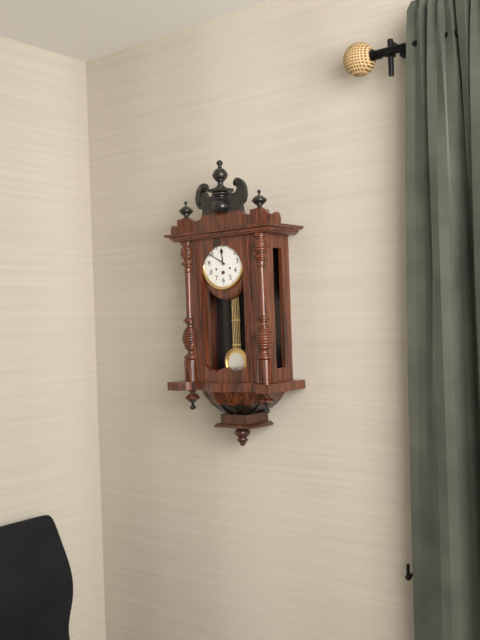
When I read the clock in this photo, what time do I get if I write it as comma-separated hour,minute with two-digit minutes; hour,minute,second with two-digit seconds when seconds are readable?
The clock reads 11,50
